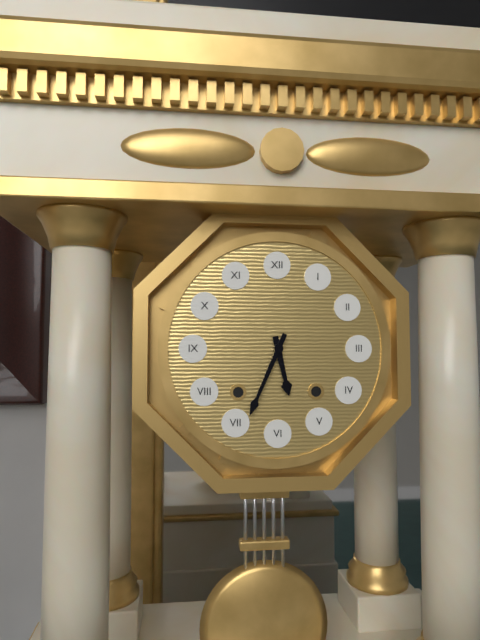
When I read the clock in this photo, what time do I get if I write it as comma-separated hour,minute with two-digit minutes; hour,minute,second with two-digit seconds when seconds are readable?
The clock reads 5,34
